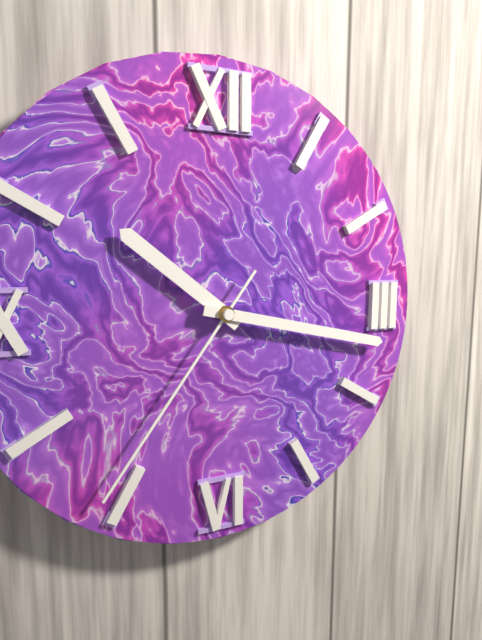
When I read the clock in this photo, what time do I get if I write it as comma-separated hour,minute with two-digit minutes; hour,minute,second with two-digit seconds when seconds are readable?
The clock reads 10,17,36
